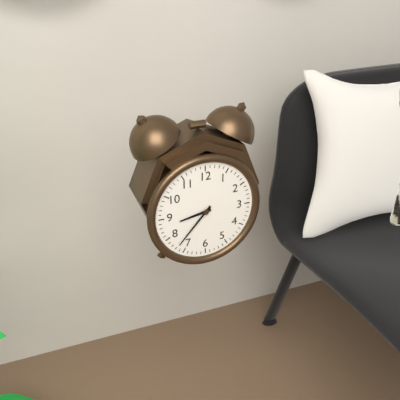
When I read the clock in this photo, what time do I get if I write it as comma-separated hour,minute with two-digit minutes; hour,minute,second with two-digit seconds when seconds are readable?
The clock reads 8,37
